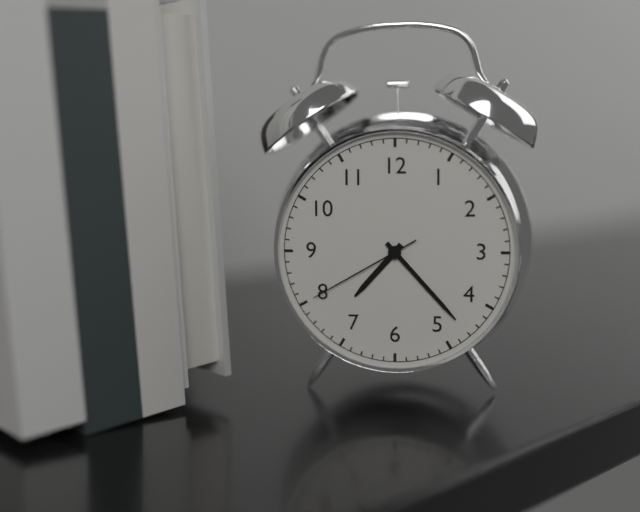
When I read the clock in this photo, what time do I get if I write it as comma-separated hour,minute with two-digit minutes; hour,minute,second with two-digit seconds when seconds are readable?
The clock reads 7,23,40
